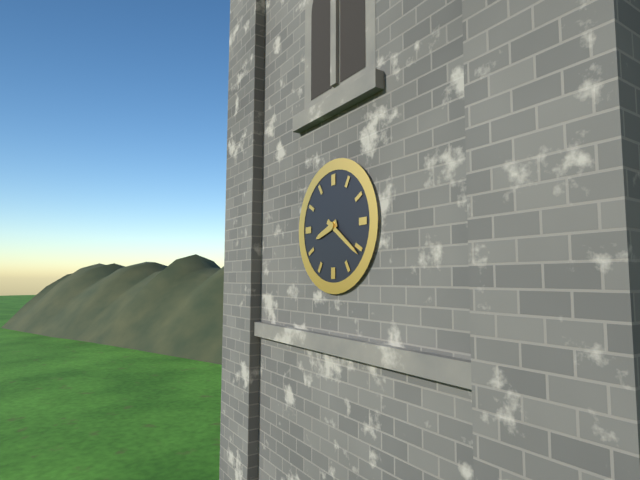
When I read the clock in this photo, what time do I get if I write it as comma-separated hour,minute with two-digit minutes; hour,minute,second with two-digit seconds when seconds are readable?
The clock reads 8,21
